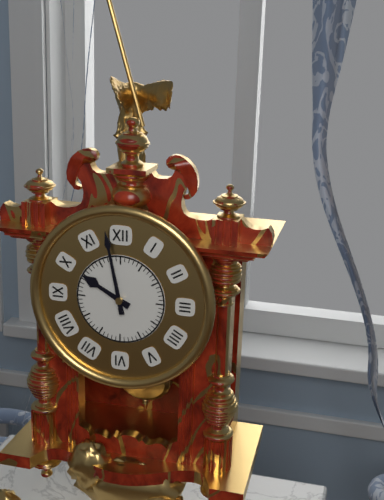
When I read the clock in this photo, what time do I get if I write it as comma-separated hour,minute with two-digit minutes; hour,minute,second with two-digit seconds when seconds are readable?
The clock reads 9,58
